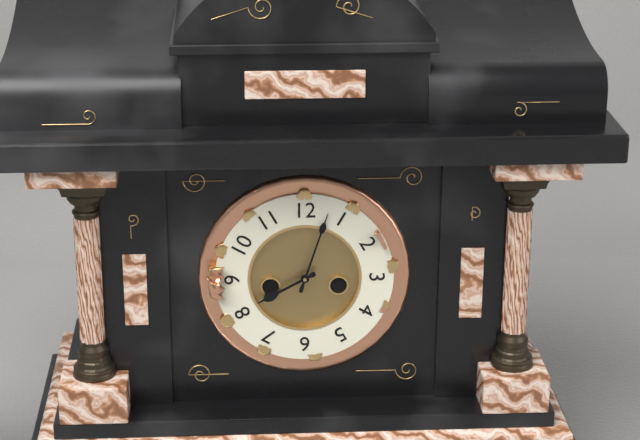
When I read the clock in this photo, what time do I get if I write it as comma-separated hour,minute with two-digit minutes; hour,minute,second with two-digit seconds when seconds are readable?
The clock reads 8,03
